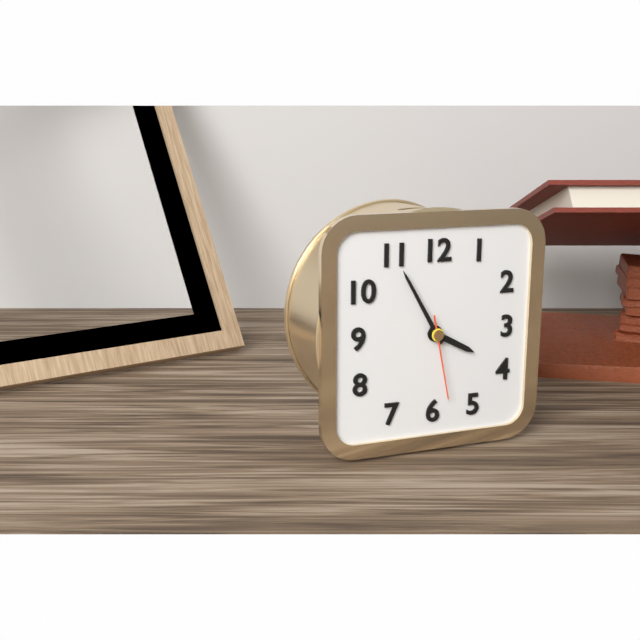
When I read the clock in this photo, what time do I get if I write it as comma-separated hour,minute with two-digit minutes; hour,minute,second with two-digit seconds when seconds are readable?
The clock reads 3,55,28
